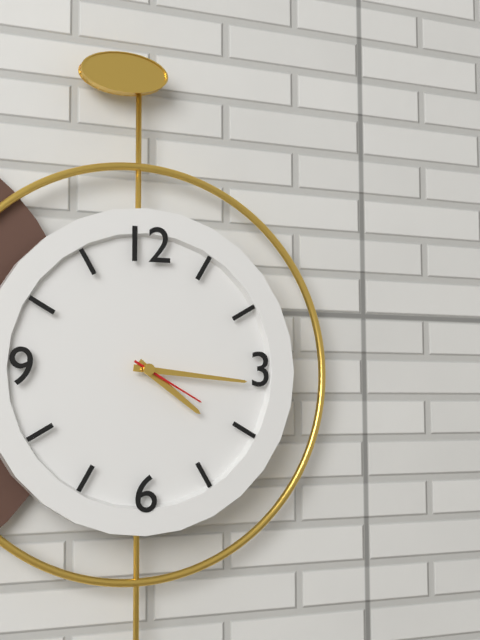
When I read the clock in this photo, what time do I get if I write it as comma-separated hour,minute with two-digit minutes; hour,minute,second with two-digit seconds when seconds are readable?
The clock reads 4,16,20
